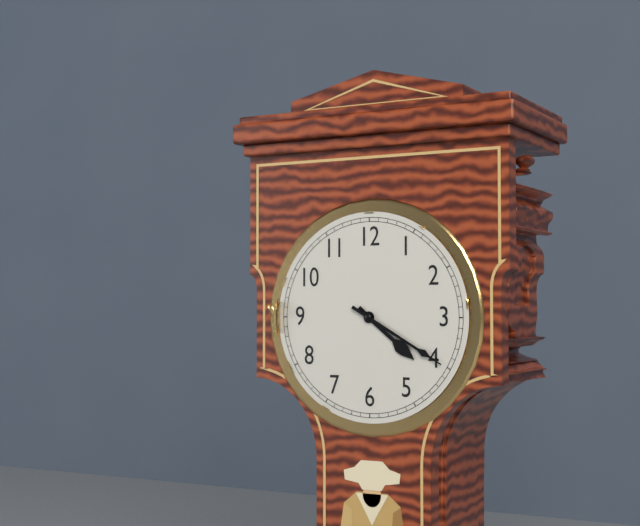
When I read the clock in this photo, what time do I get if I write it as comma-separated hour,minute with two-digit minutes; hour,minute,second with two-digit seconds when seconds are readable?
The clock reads 4,20
